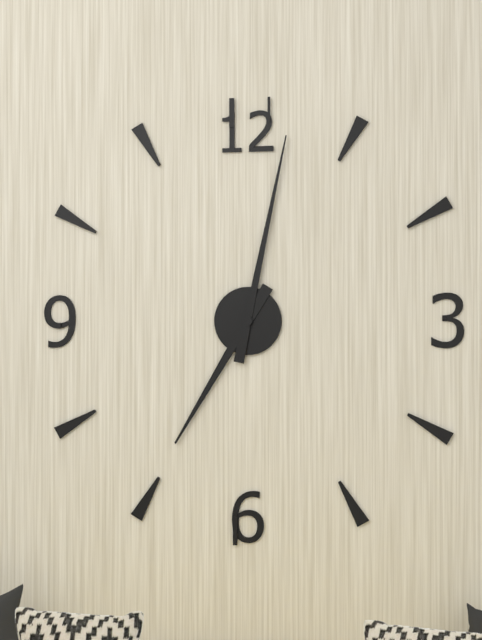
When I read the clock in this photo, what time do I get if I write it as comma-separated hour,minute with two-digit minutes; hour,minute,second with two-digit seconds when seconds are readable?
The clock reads 7,02
